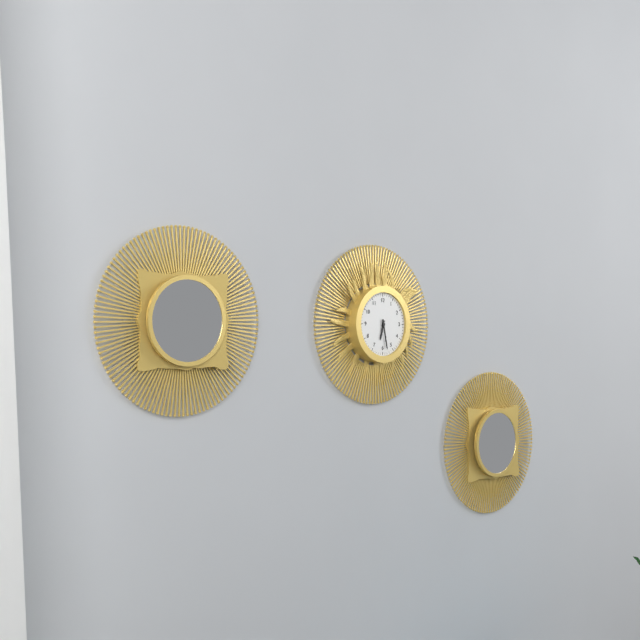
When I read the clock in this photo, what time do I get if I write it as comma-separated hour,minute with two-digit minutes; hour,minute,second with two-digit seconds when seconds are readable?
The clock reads 6,28
